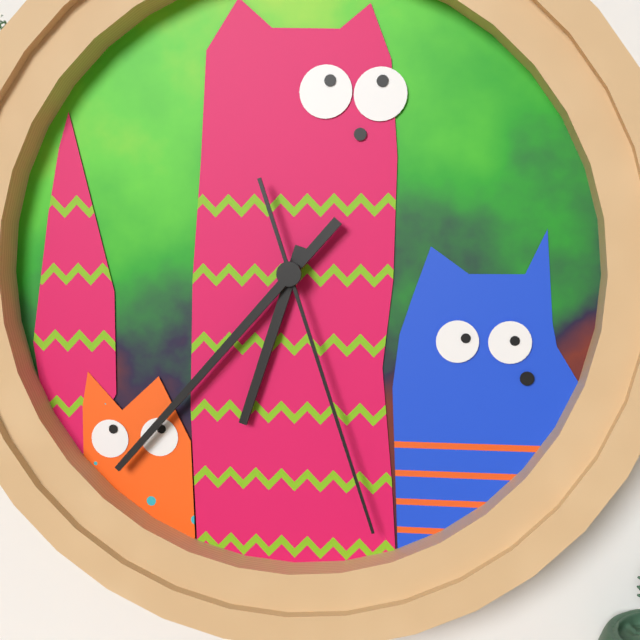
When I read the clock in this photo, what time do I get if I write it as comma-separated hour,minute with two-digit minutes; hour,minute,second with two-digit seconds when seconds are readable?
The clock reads 6,37,27
